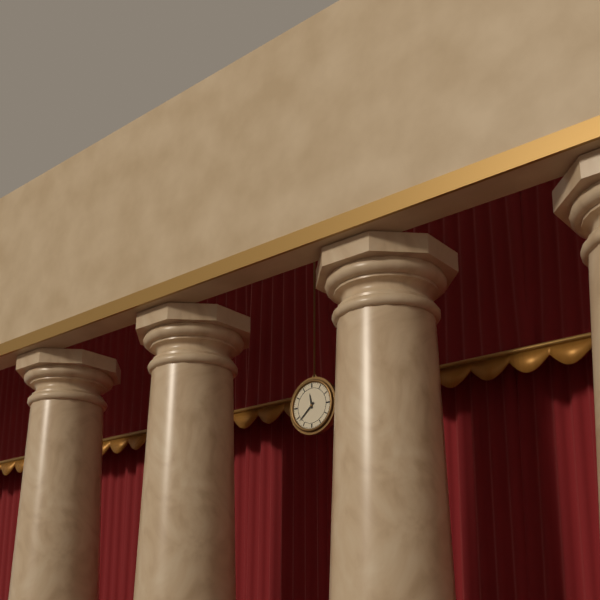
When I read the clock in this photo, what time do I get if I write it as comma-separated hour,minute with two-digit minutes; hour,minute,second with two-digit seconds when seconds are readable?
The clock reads 11,38
